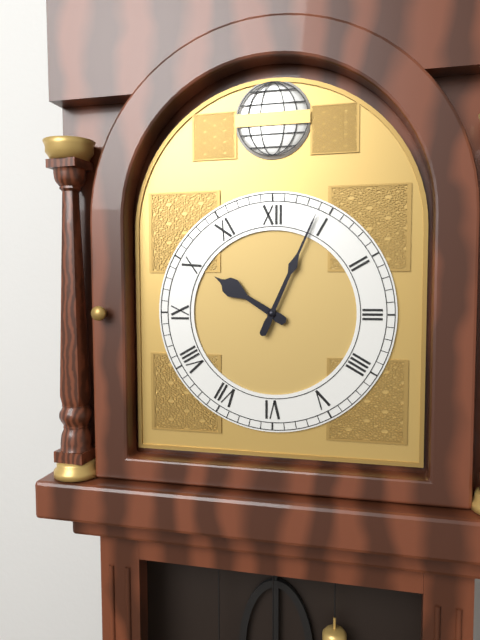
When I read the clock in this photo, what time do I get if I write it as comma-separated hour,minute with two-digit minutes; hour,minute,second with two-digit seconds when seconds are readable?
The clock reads 10,04
